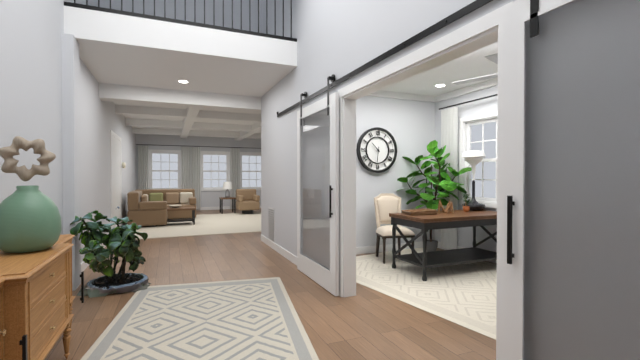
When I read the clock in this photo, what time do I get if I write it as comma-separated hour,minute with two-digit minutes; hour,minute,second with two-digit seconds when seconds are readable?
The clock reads 10,31
